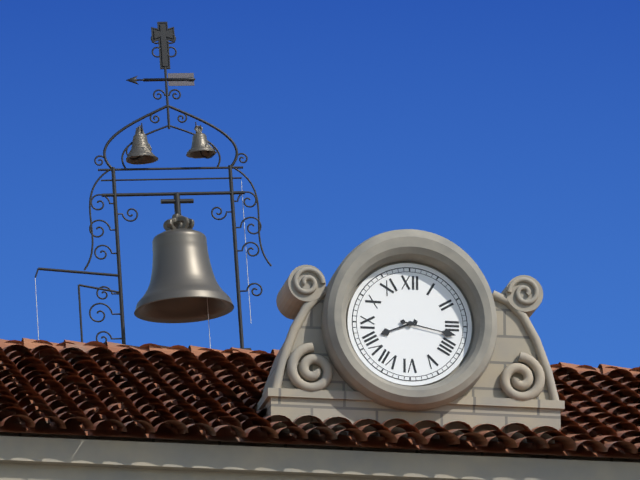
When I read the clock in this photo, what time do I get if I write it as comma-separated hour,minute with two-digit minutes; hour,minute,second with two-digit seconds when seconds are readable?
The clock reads 8,17
